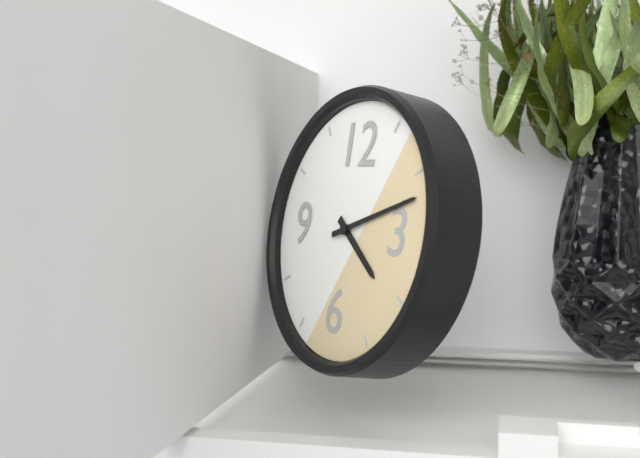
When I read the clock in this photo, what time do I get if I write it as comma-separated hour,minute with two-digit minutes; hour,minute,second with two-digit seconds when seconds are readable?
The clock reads 4,12
